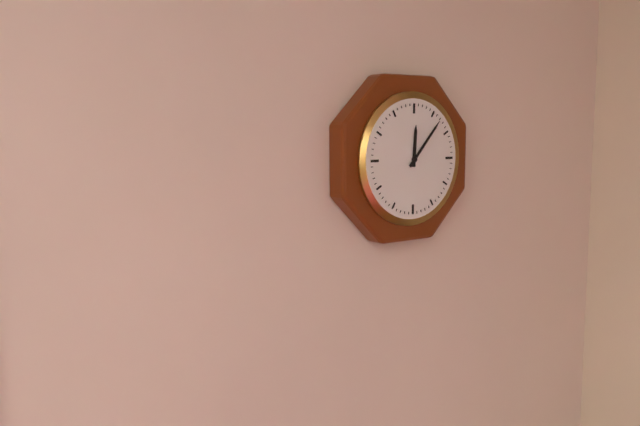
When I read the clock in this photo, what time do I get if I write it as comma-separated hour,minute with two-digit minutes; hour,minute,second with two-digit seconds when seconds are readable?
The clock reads 12,07
